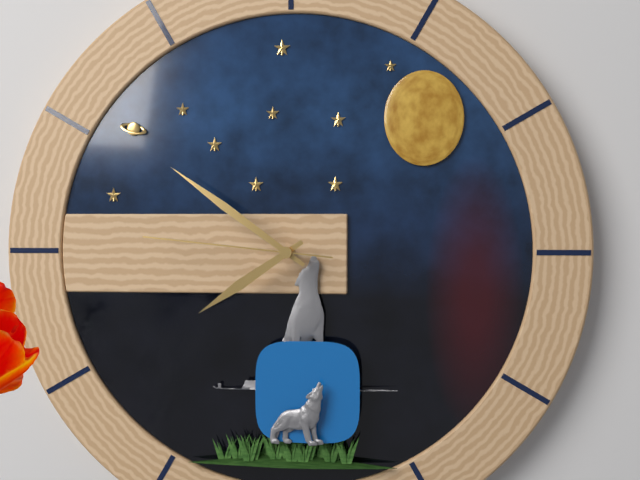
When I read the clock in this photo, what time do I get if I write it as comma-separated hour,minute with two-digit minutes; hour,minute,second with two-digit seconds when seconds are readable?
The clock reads 7,51,46
